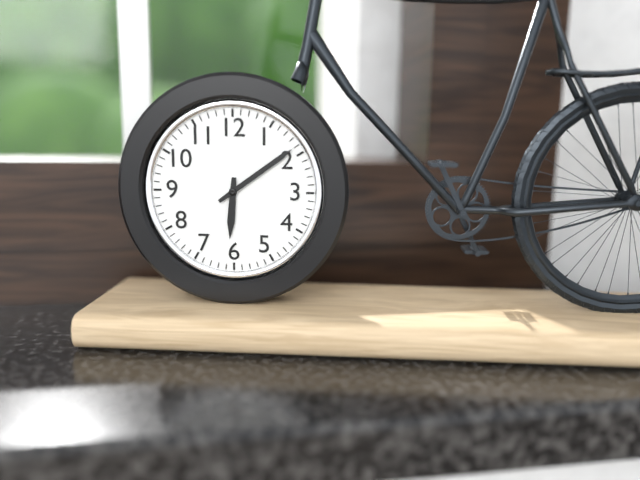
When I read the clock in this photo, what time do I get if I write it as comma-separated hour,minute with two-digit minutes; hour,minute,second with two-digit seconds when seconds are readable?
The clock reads 6,09
